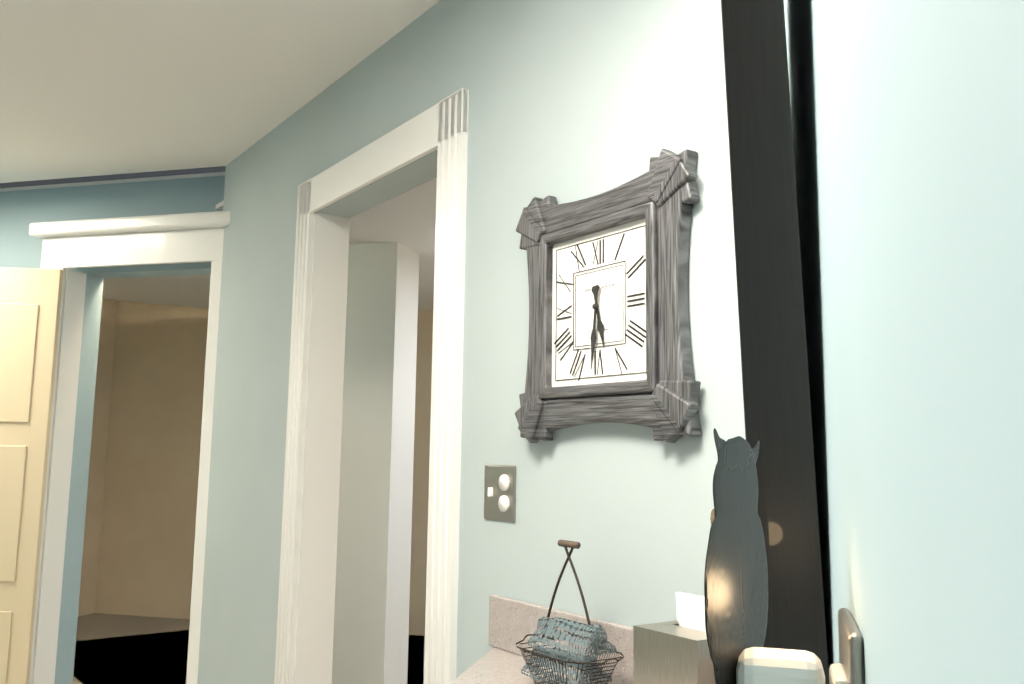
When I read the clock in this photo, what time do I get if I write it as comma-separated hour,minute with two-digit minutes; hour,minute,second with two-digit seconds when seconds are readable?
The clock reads 5,31
